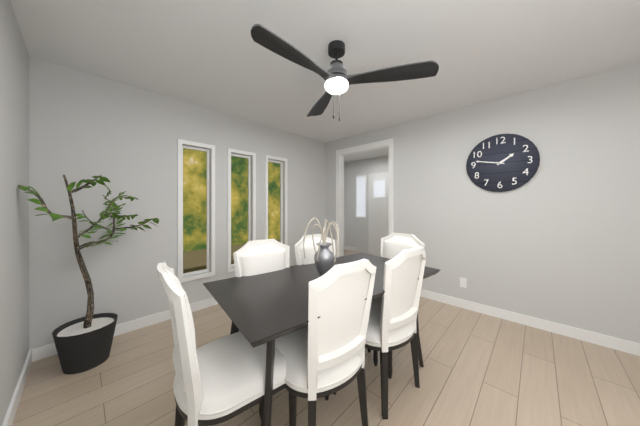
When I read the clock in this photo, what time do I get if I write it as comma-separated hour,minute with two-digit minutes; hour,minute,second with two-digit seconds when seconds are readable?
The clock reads 1,47
